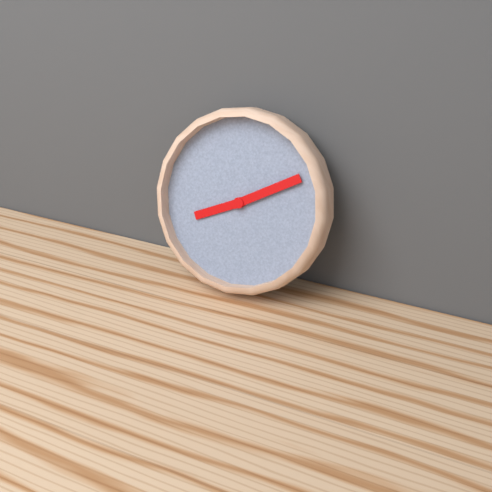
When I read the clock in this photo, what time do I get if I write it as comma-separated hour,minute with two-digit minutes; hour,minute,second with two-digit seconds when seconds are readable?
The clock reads 8,10
